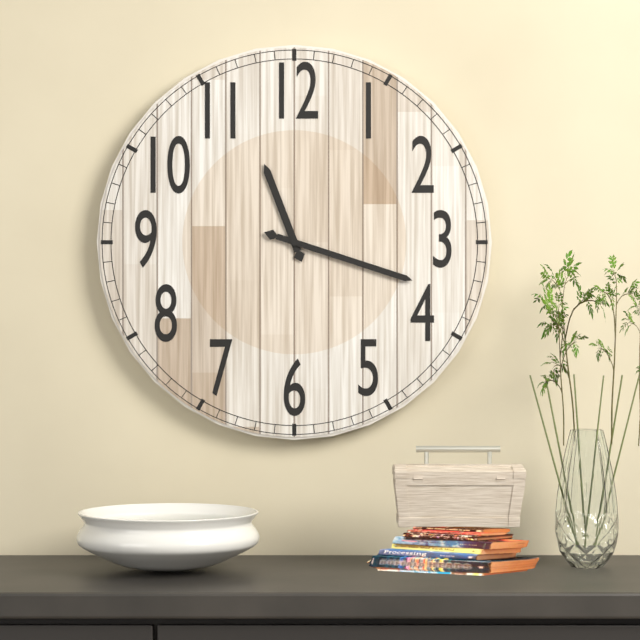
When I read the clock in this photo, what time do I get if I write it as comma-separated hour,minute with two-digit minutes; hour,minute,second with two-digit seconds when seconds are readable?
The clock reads 11,18
